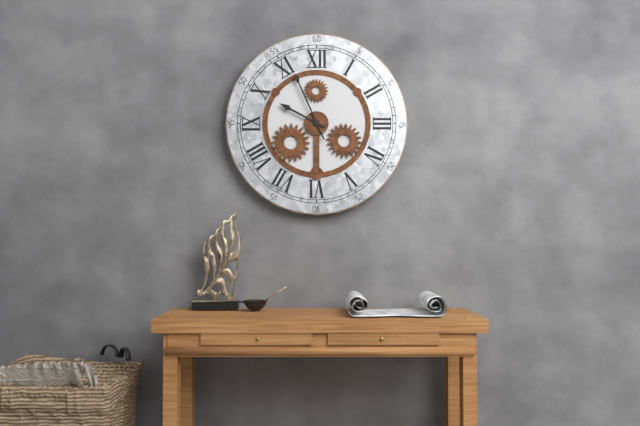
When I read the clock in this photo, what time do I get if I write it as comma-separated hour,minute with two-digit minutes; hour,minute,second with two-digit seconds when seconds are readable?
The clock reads 9,56
